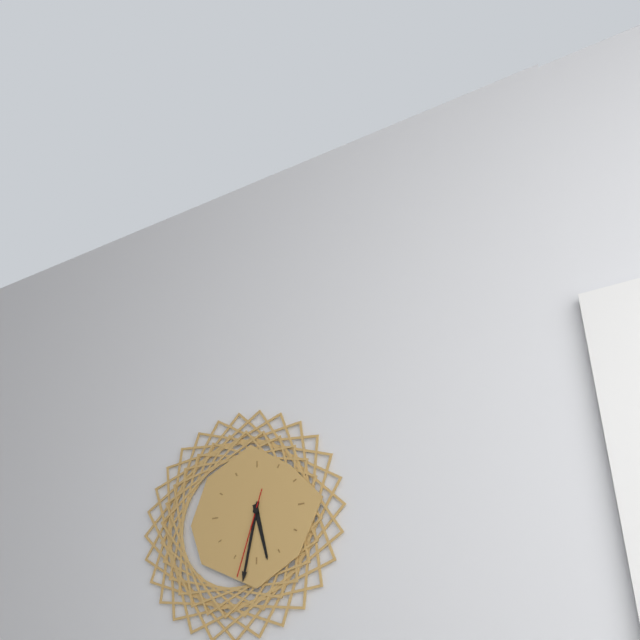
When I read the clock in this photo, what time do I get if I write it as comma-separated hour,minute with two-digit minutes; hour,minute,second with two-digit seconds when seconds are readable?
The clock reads 5,32,33
